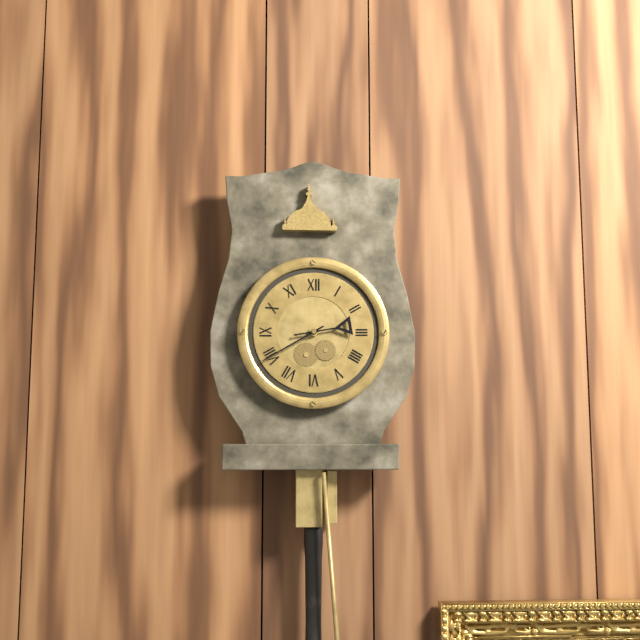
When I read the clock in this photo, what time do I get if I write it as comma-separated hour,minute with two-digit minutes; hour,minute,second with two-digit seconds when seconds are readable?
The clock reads 2,40
